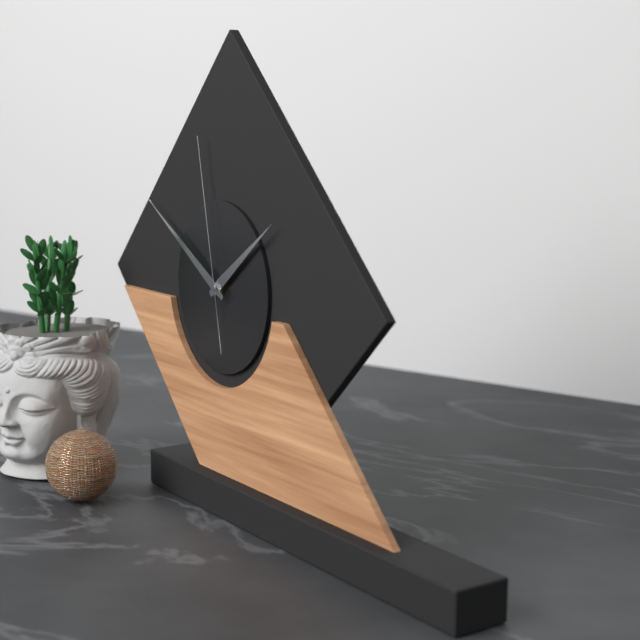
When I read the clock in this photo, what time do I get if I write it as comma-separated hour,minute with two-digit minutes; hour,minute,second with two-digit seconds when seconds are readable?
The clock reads 1,50,58
